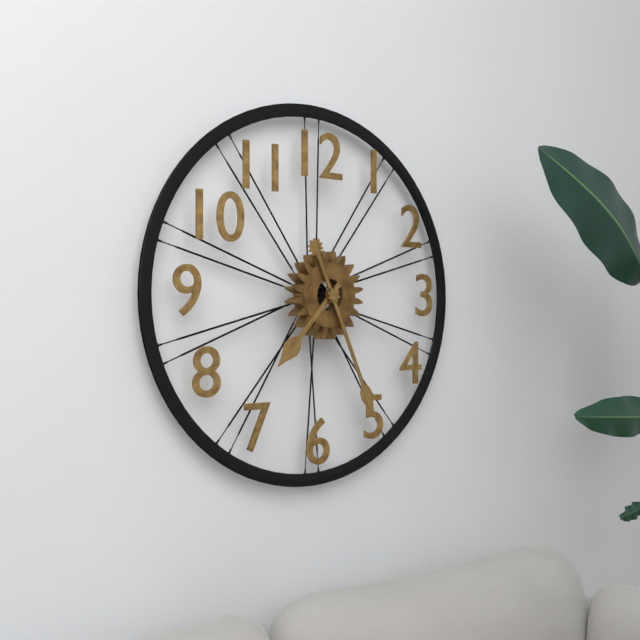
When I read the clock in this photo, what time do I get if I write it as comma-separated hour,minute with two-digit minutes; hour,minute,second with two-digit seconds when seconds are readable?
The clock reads 7,26
